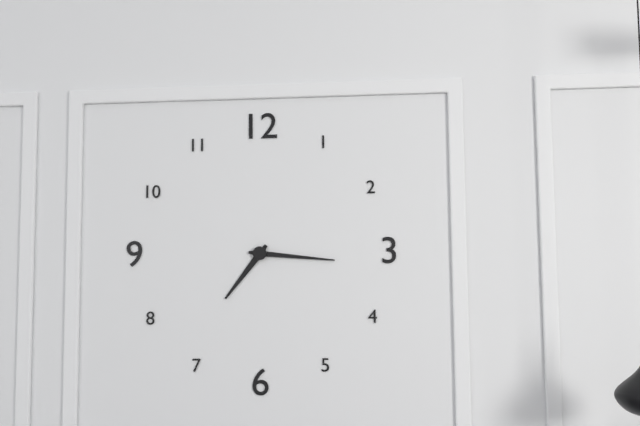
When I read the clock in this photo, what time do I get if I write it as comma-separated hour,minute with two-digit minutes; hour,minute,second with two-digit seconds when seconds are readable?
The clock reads 7,16
